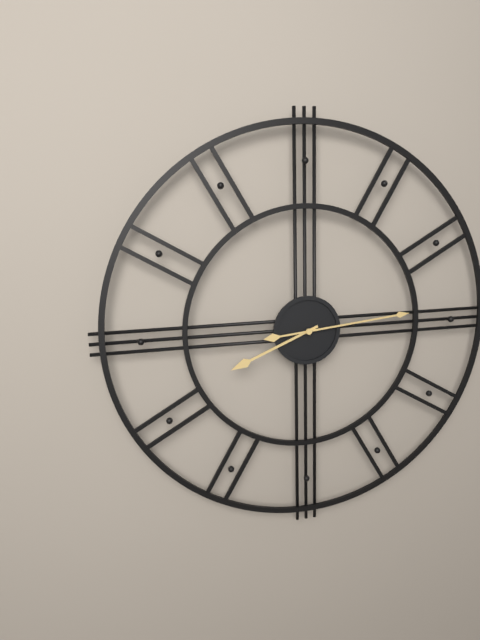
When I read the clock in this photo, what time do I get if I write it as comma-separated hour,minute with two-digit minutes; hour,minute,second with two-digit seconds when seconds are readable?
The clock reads 8,14
